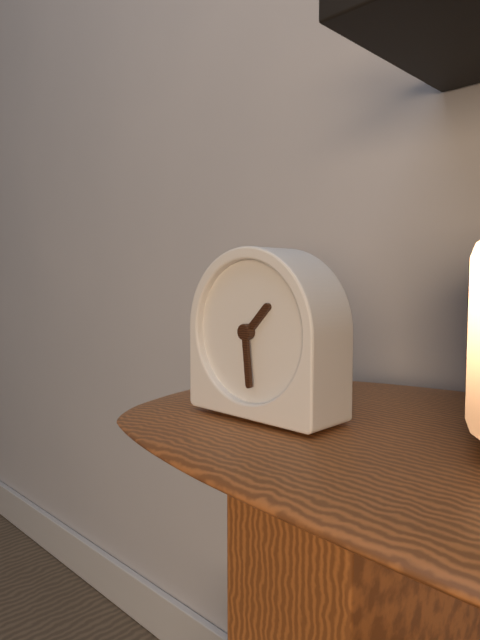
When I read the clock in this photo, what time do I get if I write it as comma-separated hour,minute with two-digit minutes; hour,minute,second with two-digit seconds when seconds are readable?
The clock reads 1,29
